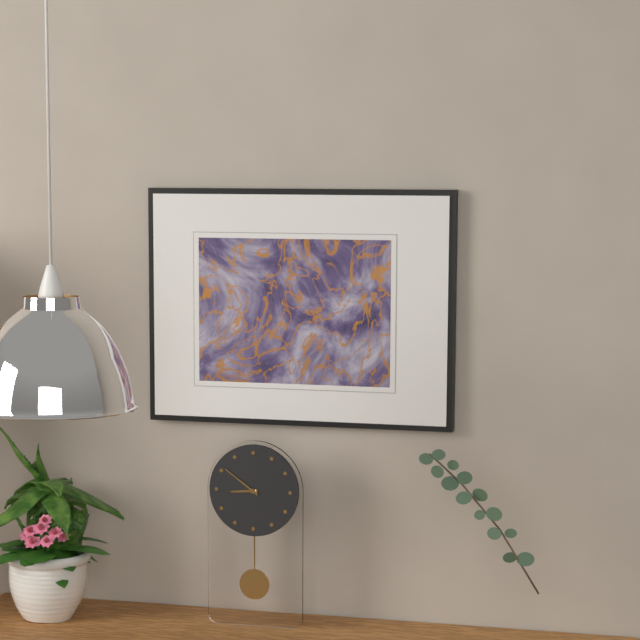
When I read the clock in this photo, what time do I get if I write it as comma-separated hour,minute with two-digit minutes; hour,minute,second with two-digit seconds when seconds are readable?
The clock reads 8,51
